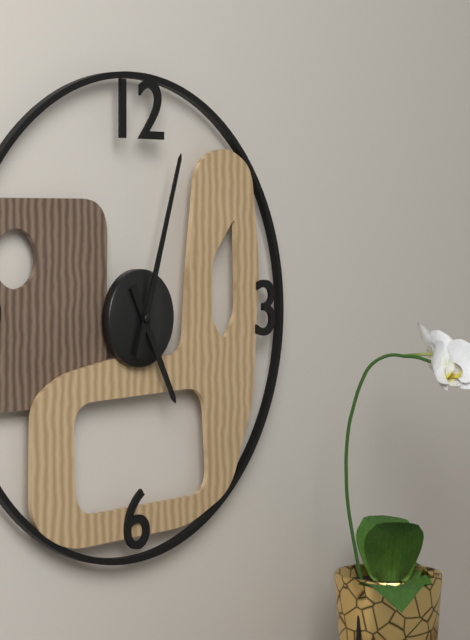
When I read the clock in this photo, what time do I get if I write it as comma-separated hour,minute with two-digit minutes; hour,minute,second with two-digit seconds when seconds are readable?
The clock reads 5,03
